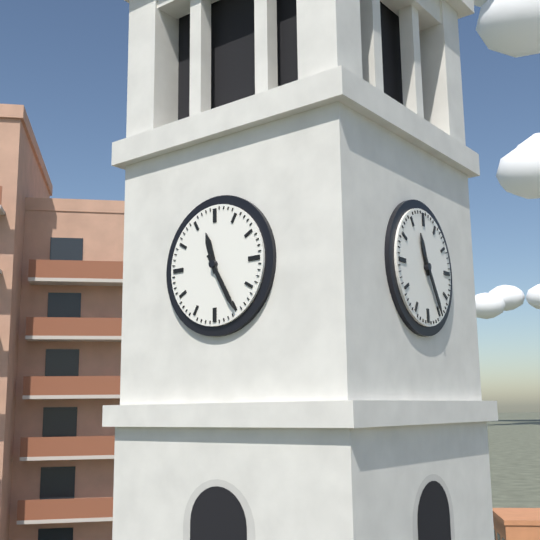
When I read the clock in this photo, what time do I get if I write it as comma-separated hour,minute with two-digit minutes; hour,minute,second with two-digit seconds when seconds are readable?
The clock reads 11,25
